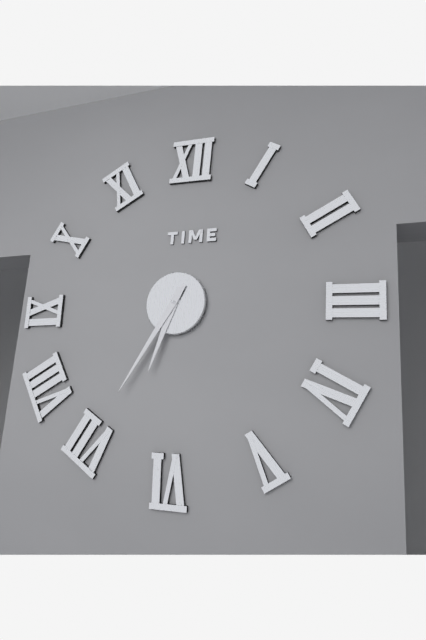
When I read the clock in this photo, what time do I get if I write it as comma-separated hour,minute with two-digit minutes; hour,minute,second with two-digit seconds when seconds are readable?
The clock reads 6,35
